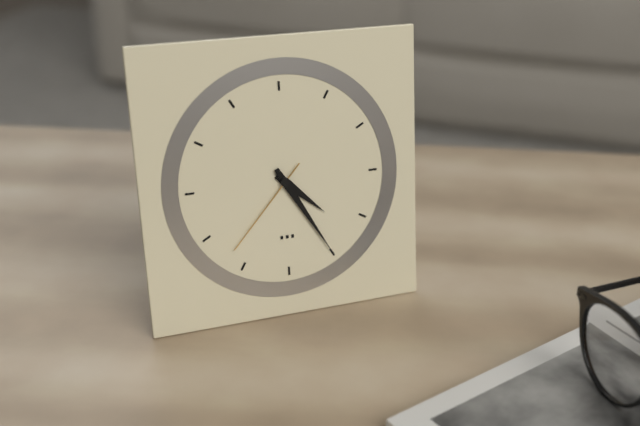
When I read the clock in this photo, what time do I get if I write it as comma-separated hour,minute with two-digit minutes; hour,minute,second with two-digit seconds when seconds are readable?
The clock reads 4,25,37
